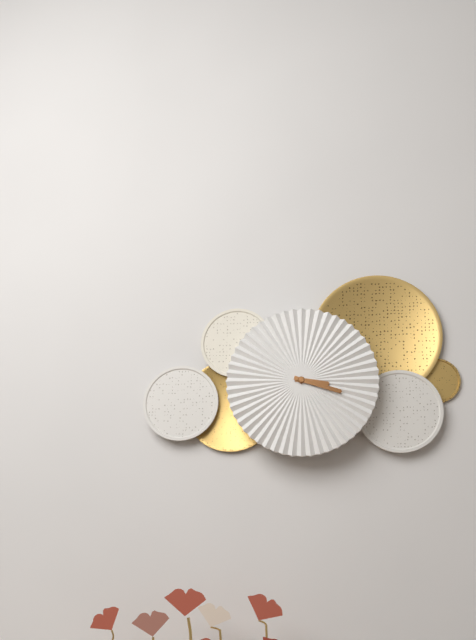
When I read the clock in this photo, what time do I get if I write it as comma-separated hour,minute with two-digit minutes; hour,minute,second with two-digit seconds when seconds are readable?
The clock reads 3,18
